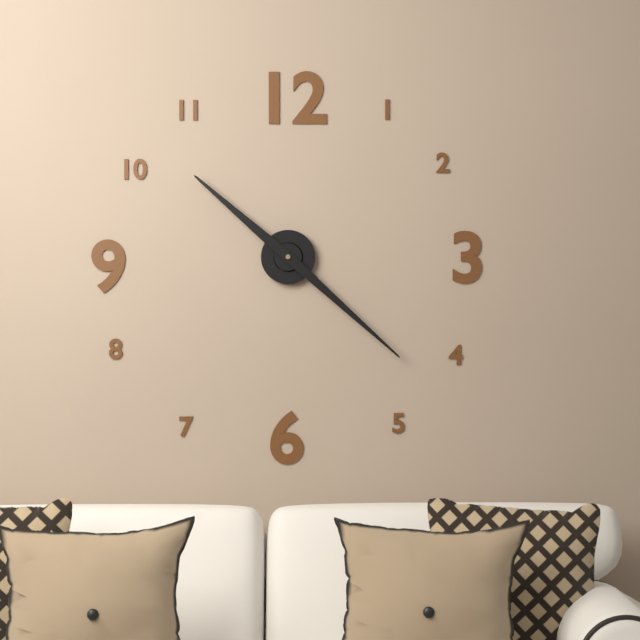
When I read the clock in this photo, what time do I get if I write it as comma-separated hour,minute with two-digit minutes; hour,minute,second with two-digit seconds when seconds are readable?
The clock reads 10,22
